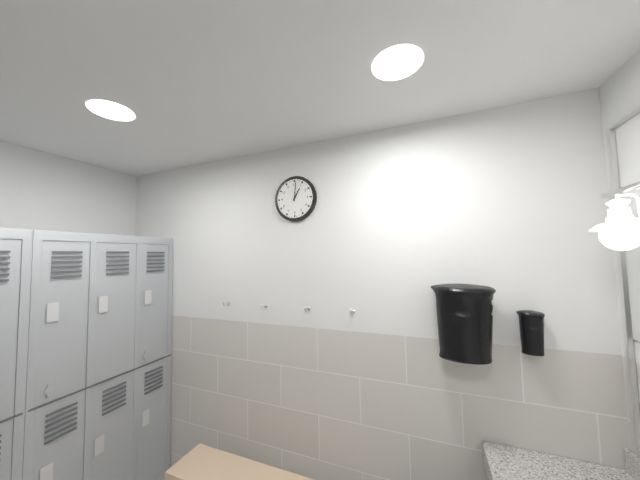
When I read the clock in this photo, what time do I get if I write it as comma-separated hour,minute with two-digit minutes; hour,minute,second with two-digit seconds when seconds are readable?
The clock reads 1,01
